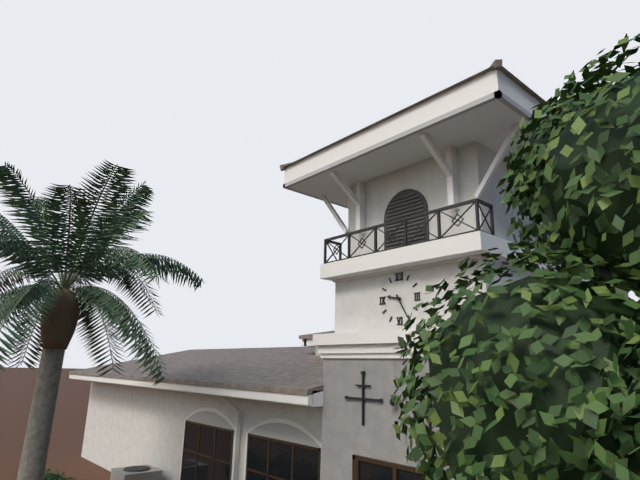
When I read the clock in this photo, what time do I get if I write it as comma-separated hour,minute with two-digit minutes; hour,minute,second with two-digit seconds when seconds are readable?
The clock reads 9,25
